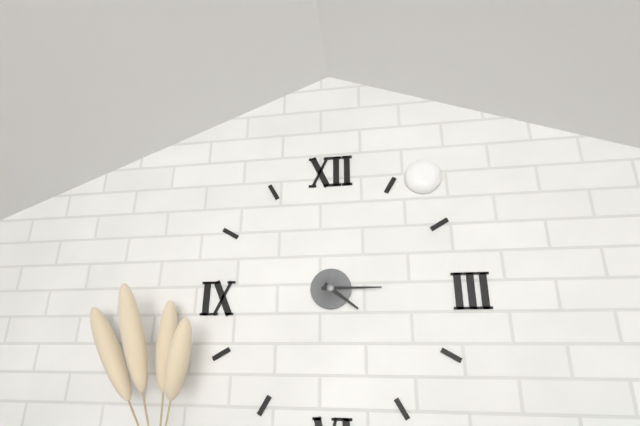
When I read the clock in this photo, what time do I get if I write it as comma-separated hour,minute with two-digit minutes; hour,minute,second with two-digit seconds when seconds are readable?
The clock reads 4,15
